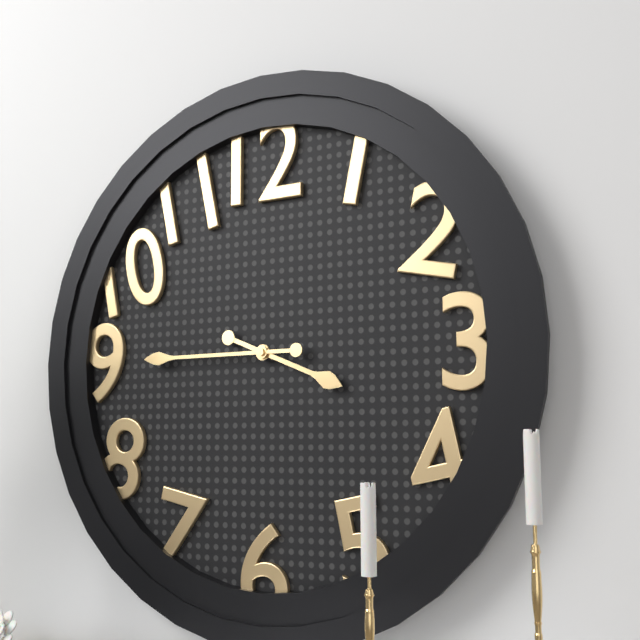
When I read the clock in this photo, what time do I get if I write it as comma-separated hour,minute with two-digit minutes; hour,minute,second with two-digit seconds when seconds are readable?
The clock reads 3,45
